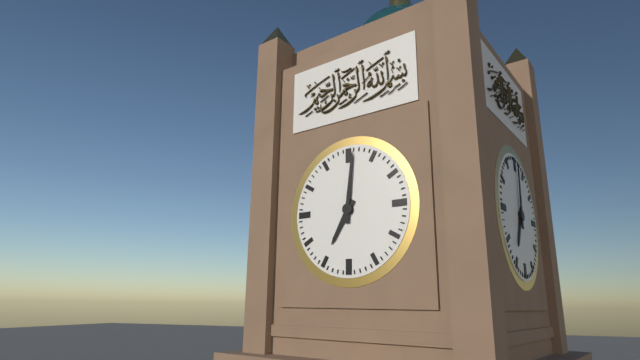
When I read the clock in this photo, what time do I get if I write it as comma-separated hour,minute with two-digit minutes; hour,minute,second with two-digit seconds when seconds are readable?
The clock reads 7,01
